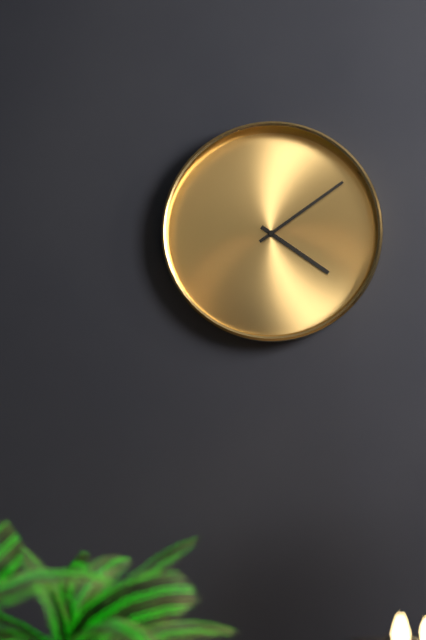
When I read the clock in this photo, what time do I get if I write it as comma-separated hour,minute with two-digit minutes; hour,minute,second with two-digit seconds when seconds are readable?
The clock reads 4,09
